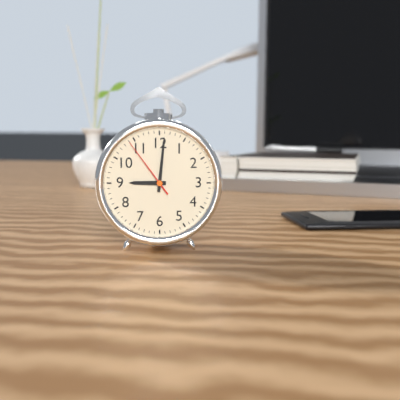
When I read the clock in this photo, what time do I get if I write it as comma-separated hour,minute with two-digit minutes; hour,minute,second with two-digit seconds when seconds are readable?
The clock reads 9,01,54
